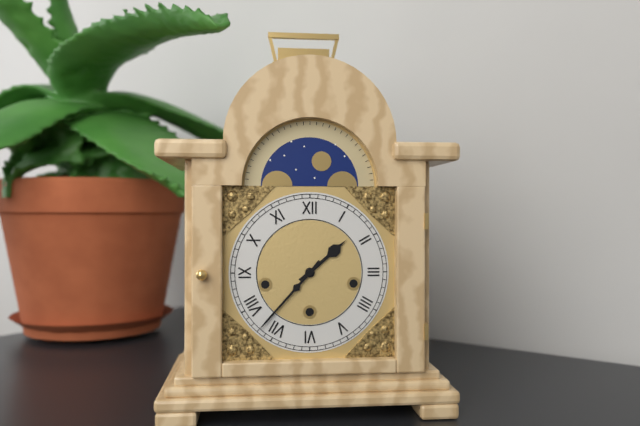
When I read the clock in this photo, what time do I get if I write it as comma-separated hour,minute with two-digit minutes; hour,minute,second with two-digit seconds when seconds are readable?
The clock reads 1,37
